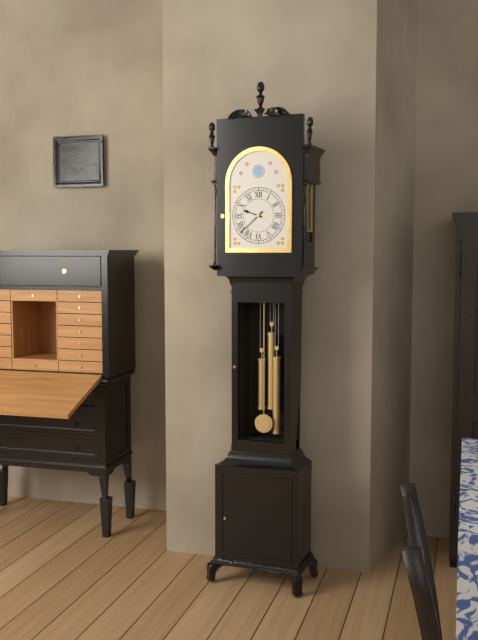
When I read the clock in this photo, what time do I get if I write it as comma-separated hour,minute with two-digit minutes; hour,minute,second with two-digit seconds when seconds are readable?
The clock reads 9,38
